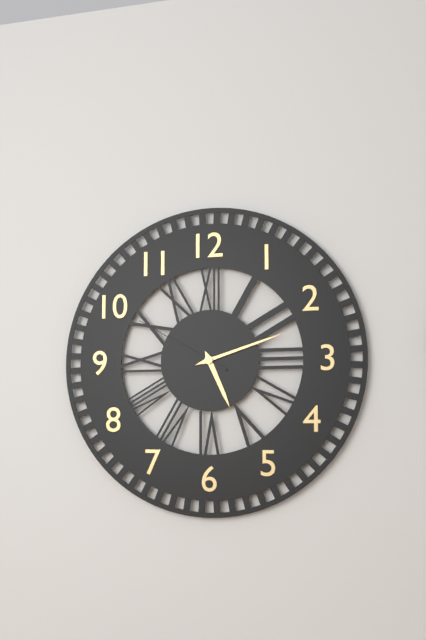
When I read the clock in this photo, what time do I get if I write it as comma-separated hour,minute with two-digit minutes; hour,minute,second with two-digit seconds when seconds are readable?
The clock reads 5,12,50
